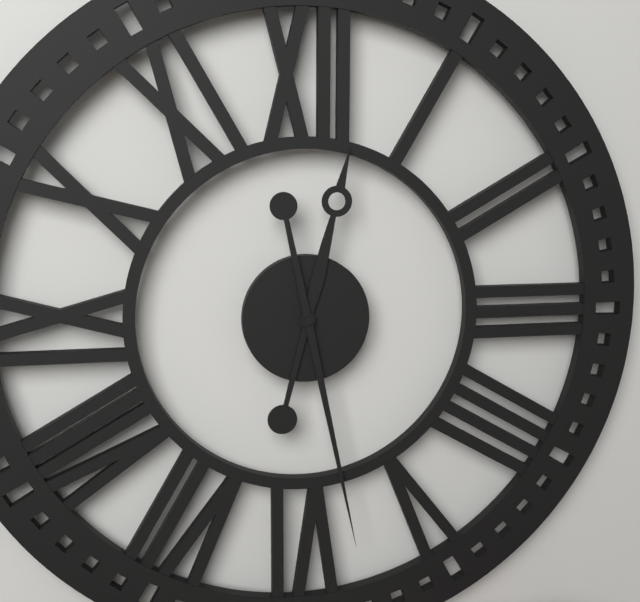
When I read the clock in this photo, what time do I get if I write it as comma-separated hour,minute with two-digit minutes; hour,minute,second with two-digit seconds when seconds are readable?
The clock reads 12,28
